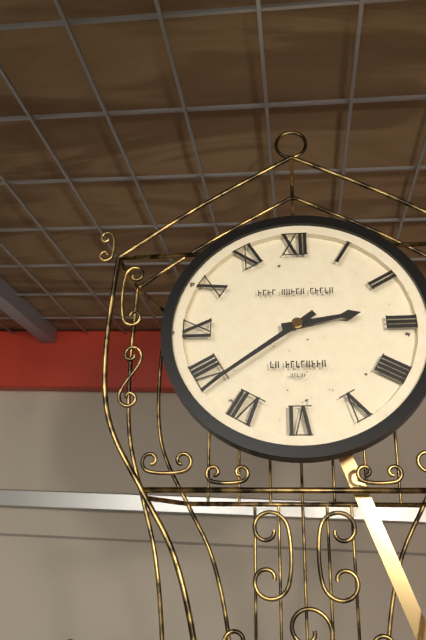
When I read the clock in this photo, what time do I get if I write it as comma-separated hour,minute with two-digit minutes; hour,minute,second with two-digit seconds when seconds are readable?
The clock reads 2,39
